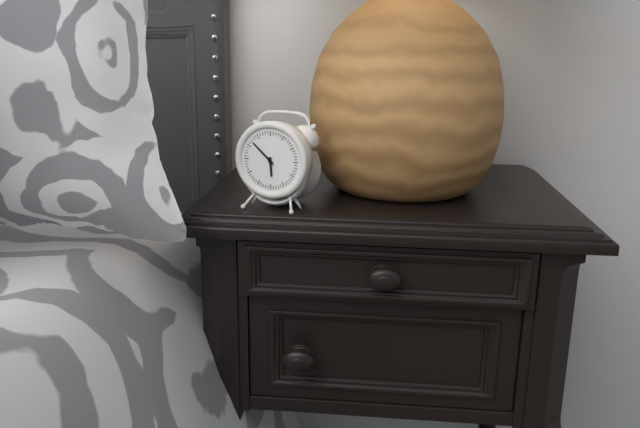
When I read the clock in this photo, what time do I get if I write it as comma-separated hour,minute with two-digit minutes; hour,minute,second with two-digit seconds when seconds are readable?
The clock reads 5,52
